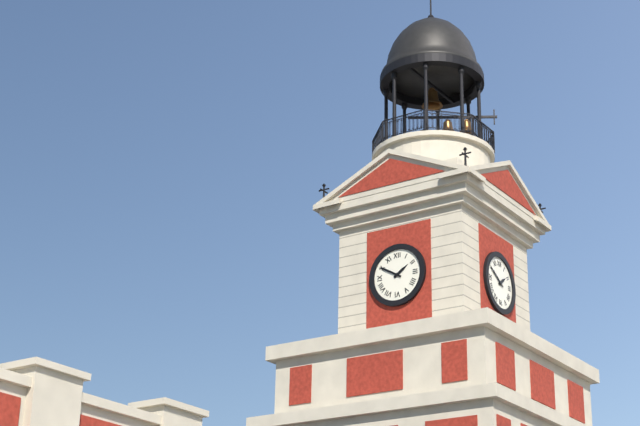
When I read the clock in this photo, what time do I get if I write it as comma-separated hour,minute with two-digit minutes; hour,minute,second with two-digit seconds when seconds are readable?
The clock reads 1,50
